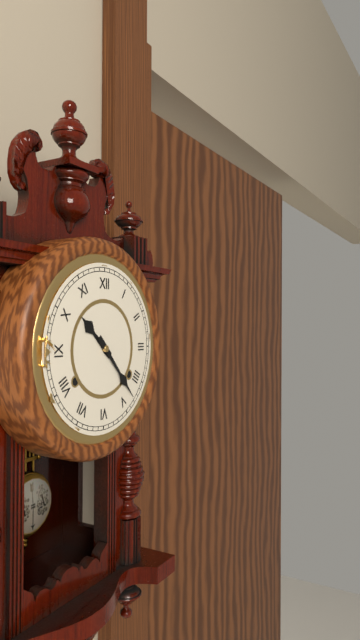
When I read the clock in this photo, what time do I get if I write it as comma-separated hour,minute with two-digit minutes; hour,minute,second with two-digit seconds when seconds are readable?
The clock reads 10,23
